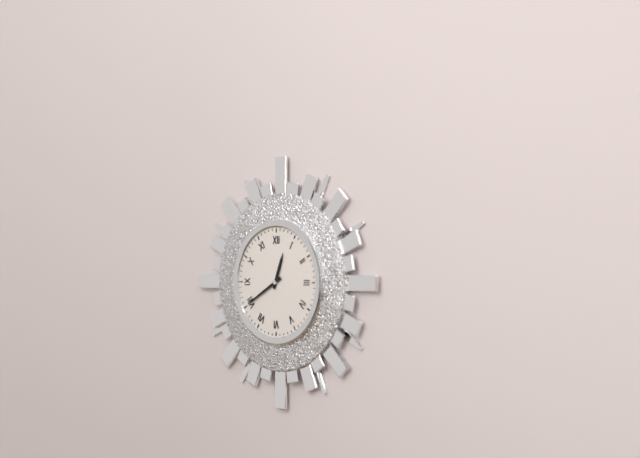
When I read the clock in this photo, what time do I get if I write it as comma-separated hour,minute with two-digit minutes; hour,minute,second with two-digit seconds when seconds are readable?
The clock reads 12,40
